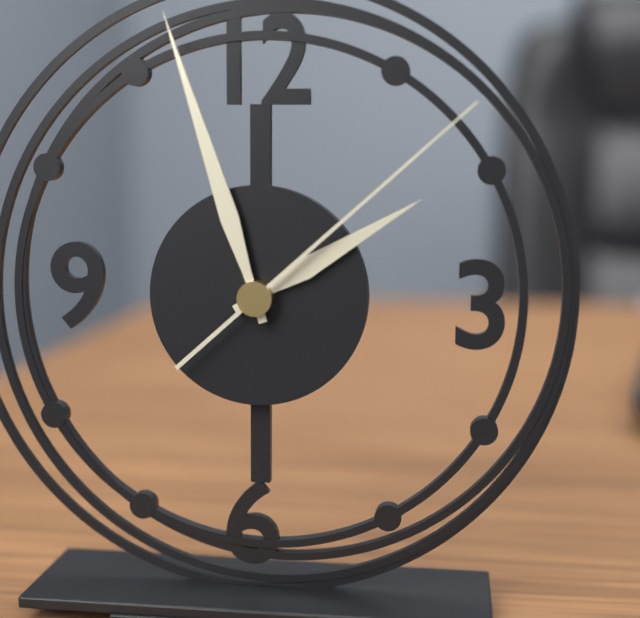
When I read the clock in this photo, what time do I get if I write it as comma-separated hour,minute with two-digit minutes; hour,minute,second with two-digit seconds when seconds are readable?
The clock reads 1,57,08
